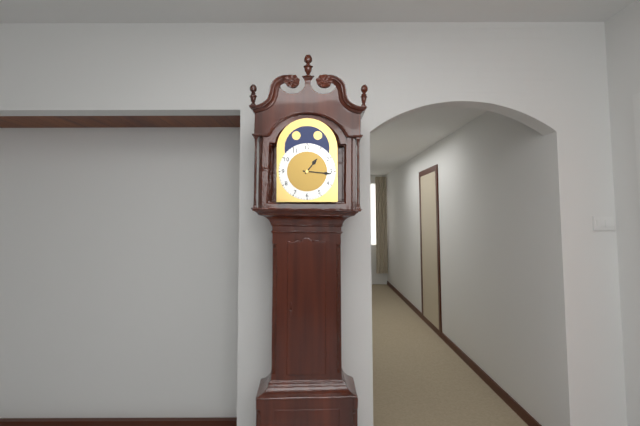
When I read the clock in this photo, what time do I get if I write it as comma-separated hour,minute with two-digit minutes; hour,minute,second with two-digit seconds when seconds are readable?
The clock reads 1,16
